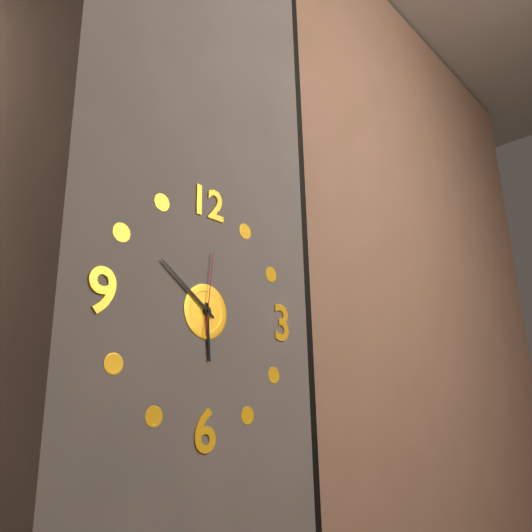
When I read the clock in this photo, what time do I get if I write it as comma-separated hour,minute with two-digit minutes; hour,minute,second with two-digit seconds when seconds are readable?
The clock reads 5,51,01
